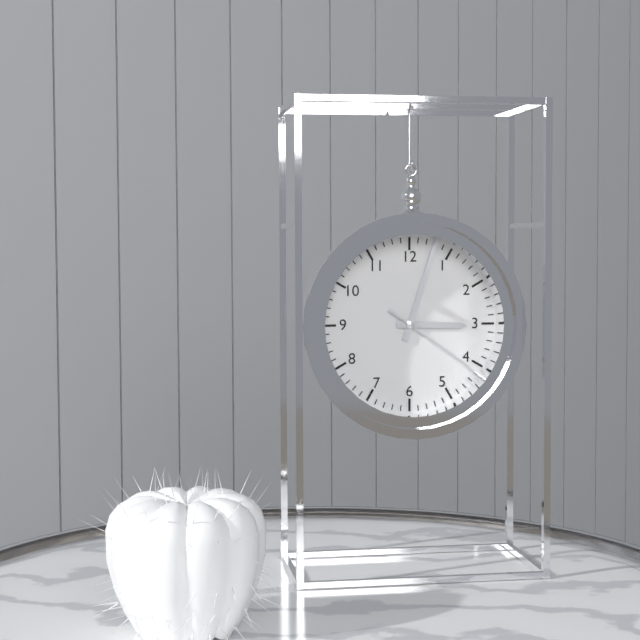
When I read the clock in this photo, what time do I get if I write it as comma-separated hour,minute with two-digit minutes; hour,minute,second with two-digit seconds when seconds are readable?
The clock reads 3,03,21
